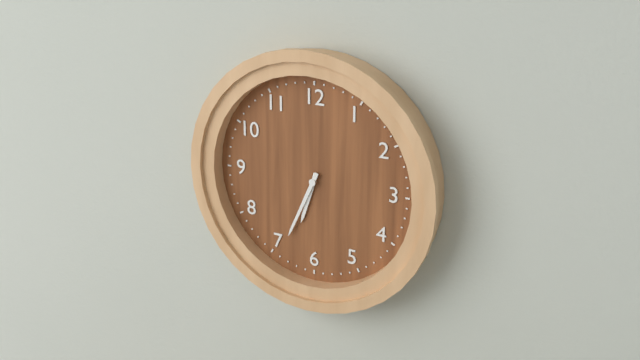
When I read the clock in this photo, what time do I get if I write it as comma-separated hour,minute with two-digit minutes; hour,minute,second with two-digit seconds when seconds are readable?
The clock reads 6,34
